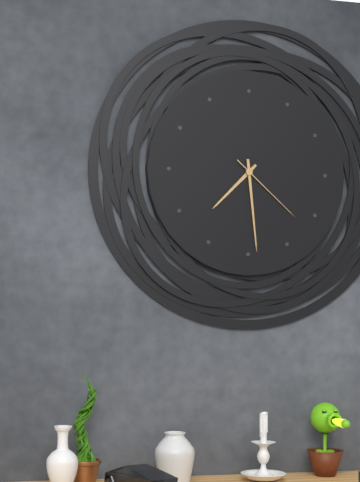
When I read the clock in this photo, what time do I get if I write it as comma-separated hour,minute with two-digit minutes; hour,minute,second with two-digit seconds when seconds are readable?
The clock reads 7,29,22
